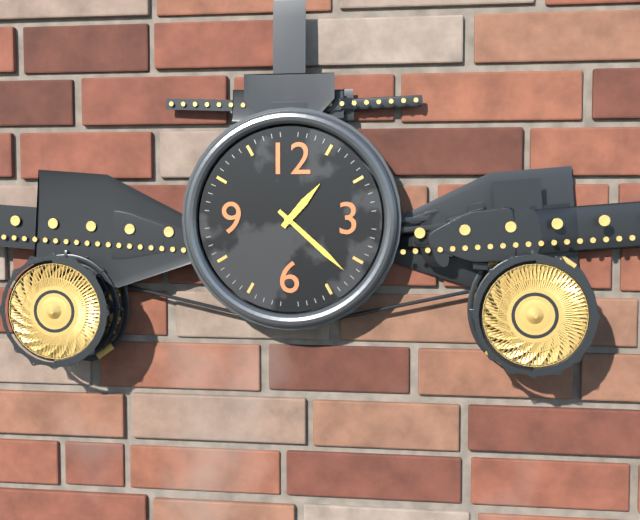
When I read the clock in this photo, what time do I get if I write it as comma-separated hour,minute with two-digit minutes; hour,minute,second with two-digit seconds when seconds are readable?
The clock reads 1,22
